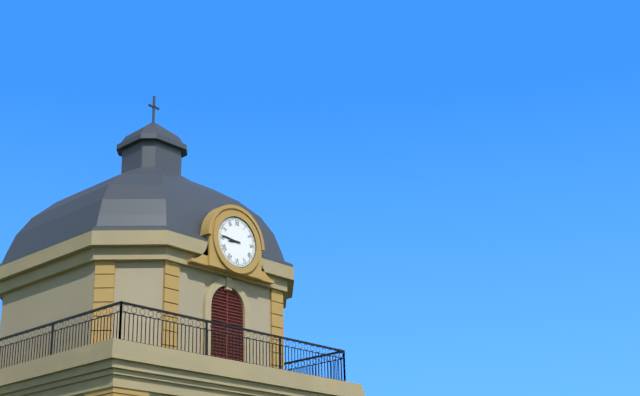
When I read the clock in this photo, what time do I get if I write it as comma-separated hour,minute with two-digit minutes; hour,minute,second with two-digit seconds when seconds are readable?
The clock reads 8,46
